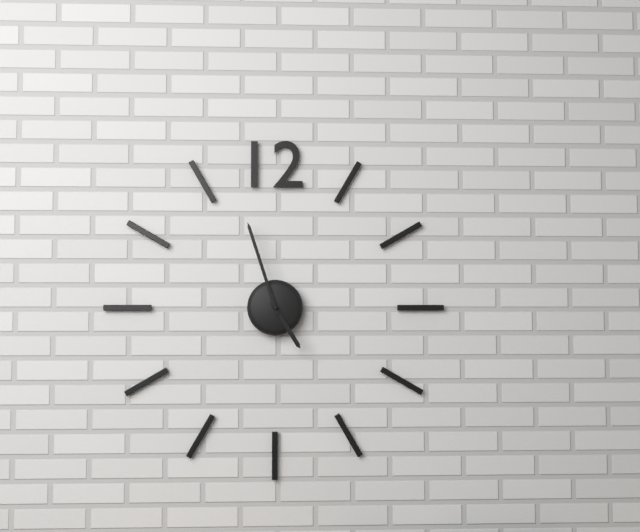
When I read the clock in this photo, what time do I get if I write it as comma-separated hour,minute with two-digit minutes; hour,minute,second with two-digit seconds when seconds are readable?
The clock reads 4,57
